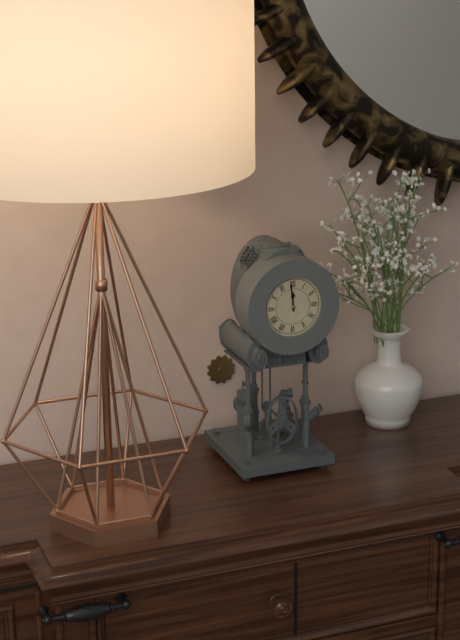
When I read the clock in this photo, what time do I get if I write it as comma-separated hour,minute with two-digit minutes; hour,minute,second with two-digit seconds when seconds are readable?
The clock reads 11,59
